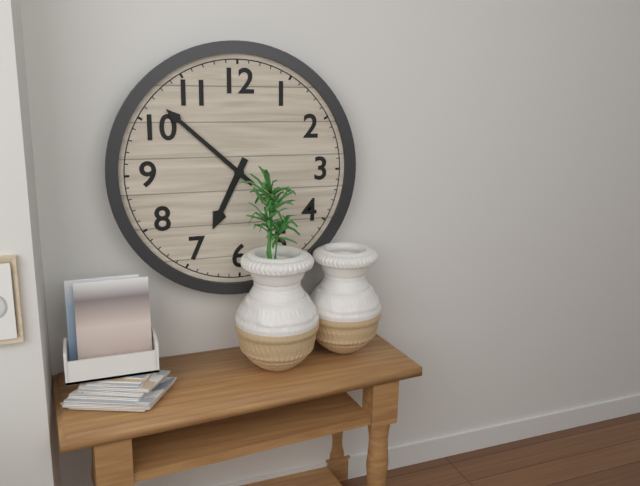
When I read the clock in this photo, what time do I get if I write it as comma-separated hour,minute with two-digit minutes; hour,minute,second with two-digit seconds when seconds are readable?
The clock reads 6,52
